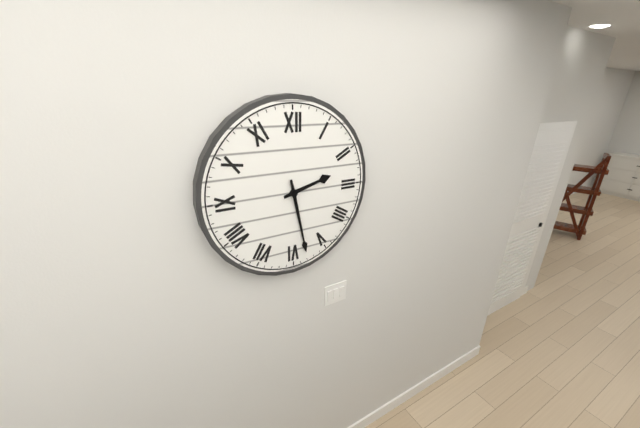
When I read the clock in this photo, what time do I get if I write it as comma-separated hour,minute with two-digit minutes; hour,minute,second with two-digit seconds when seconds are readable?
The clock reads 2,28
